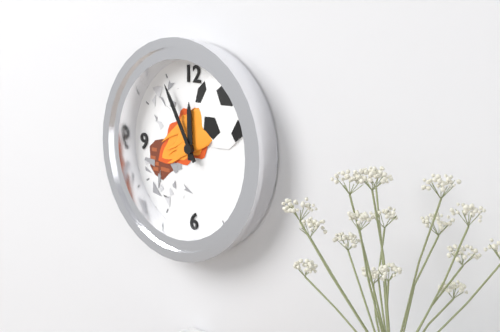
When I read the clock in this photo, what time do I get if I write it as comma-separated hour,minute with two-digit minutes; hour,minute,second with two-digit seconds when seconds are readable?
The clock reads 11,55
